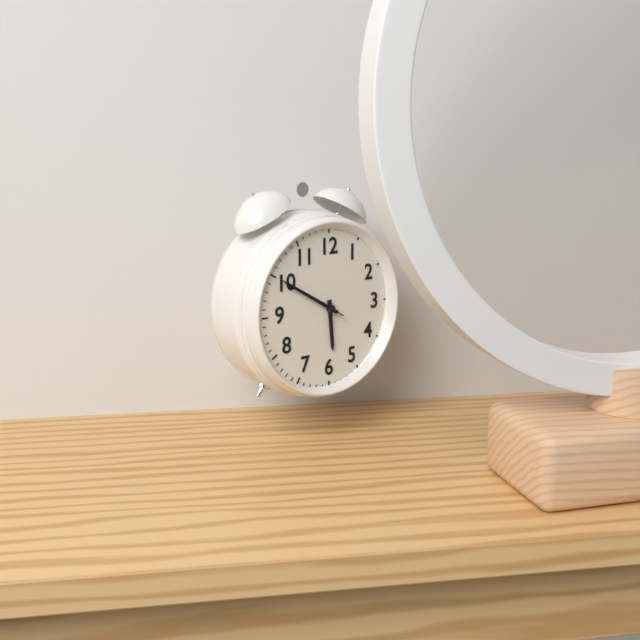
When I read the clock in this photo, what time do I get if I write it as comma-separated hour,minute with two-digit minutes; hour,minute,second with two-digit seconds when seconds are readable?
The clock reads 5,50,50
